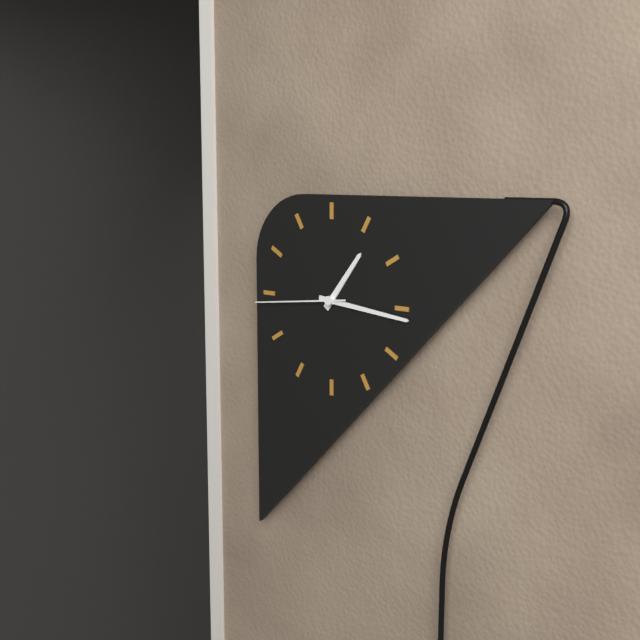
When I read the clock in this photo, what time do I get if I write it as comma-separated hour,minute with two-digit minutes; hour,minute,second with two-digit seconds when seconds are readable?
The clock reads 1,16,44
